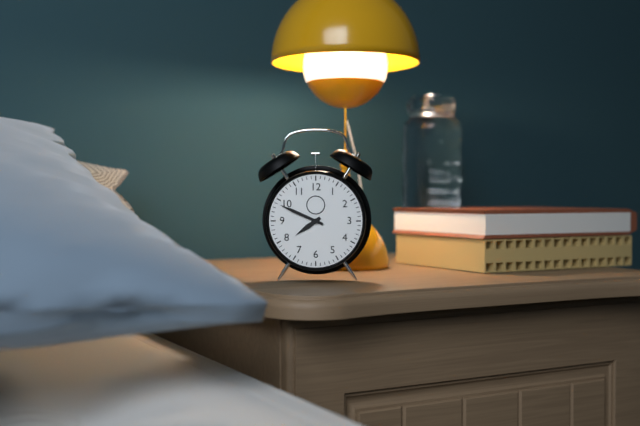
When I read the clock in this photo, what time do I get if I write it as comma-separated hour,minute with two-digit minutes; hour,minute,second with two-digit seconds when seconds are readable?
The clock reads 7,49
